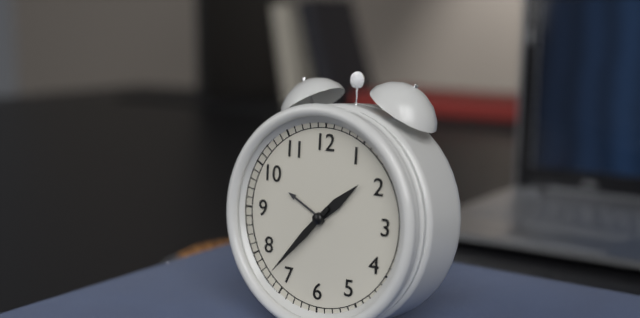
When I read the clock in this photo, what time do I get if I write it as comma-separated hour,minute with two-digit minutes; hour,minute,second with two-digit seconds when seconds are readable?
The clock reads 1,37
